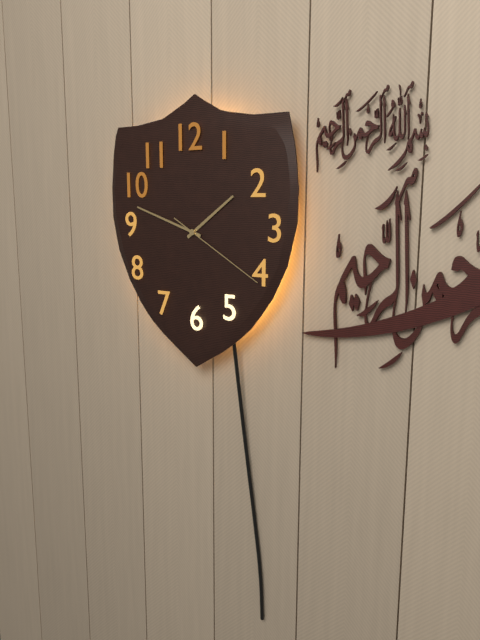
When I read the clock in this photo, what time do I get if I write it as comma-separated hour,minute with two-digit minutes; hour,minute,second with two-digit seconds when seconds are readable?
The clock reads 1,48,20
